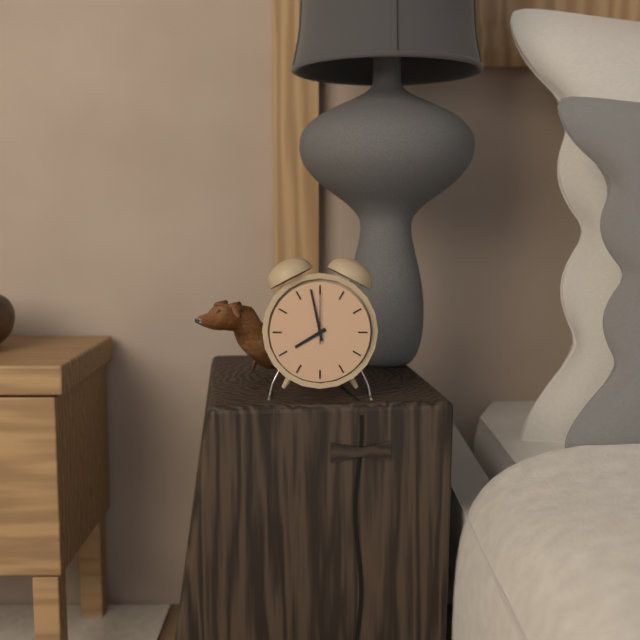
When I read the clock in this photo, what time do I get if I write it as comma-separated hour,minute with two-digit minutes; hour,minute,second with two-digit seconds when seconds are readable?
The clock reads 7,58,00
